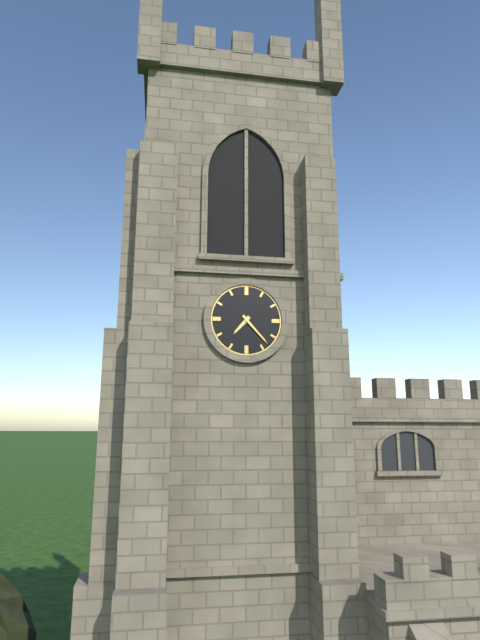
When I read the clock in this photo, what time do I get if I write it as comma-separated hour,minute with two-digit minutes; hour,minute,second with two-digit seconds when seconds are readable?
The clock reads 7,23
